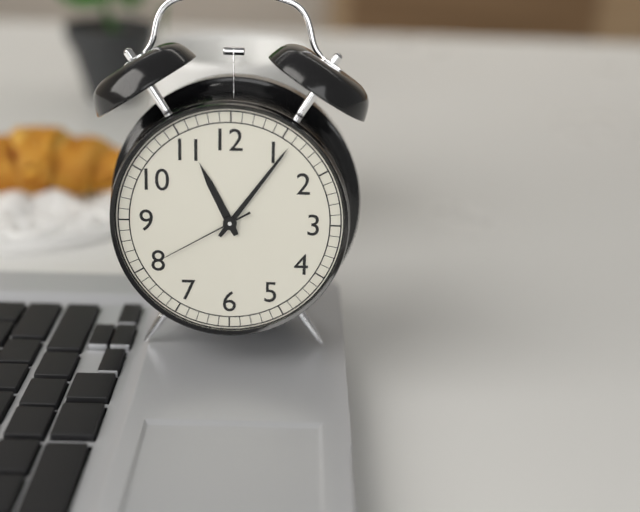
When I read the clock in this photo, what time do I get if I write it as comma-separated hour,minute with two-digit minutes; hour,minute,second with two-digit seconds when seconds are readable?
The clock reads 11,06,40
